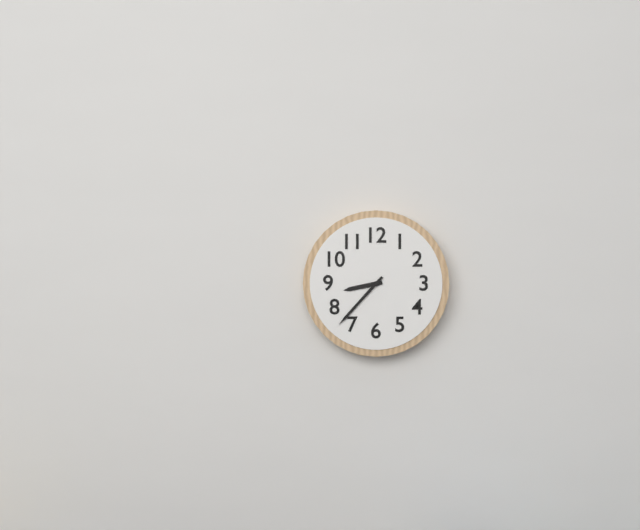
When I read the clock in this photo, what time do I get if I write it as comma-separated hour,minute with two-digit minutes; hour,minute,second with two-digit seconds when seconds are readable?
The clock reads 8,37
